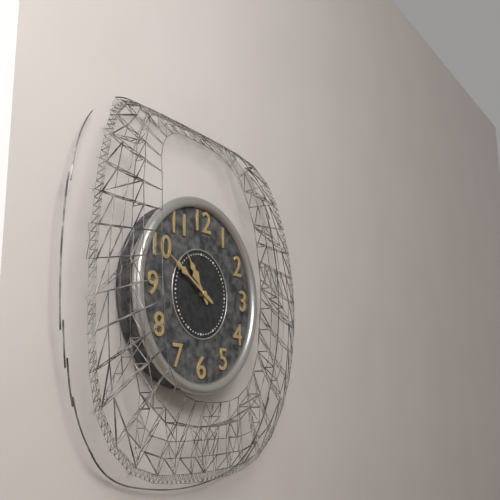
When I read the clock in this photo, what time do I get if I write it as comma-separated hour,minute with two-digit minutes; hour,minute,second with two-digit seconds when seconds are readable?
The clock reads 10,50
